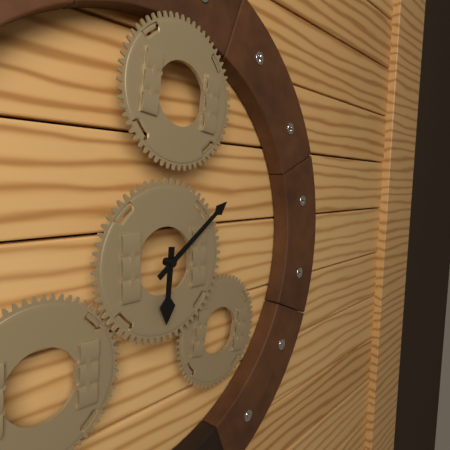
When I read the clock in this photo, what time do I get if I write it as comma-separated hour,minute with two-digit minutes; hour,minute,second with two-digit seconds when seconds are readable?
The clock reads 6,09
